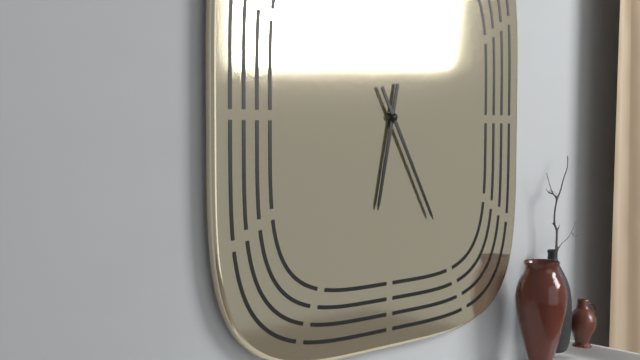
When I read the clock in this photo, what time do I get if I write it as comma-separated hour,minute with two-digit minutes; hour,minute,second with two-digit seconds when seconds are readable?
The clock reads 6,25
